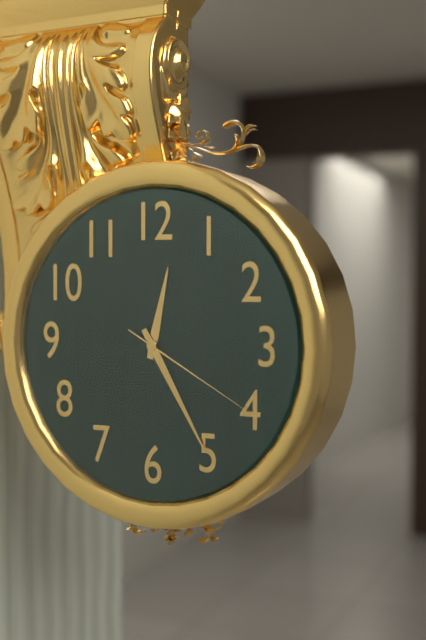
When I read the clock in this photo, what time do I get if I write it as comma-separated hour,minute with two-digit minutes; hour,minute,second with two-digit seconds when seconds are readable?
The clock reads 12,25,20
